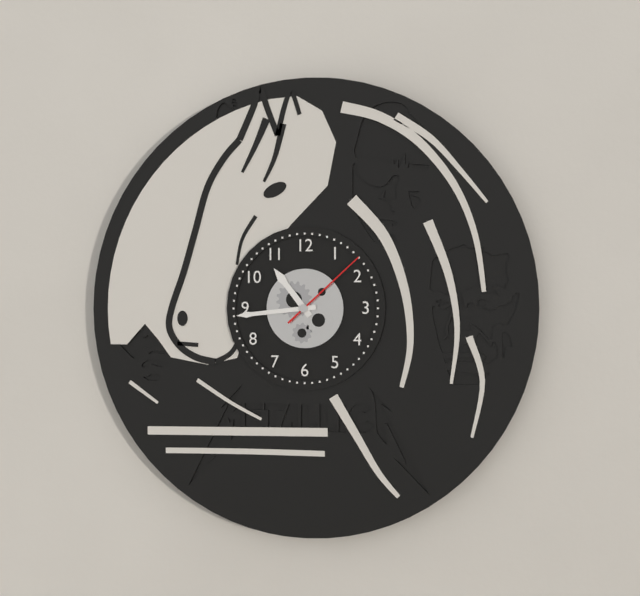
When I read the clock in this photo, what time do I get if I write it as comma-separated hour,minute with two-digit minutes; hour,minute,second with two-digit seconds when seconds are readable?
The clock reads 10,44,08
